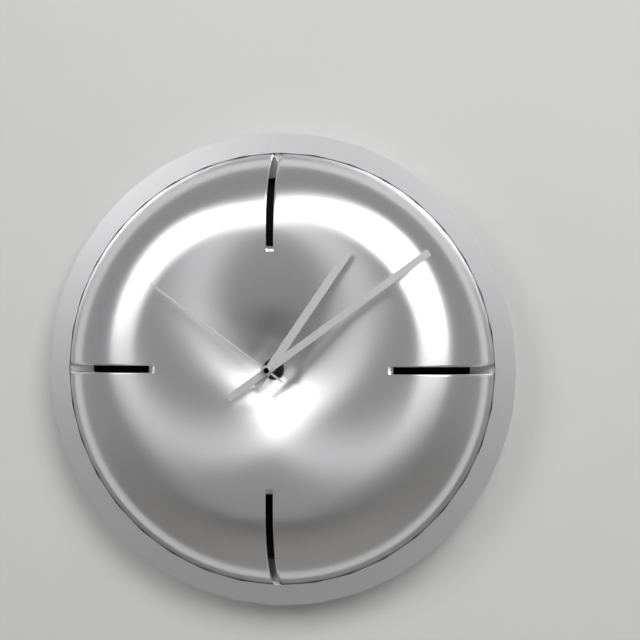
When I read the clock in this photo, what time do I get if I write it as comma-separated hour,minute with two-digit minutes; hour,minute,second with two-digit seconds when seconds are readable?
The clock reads 1,09,51
